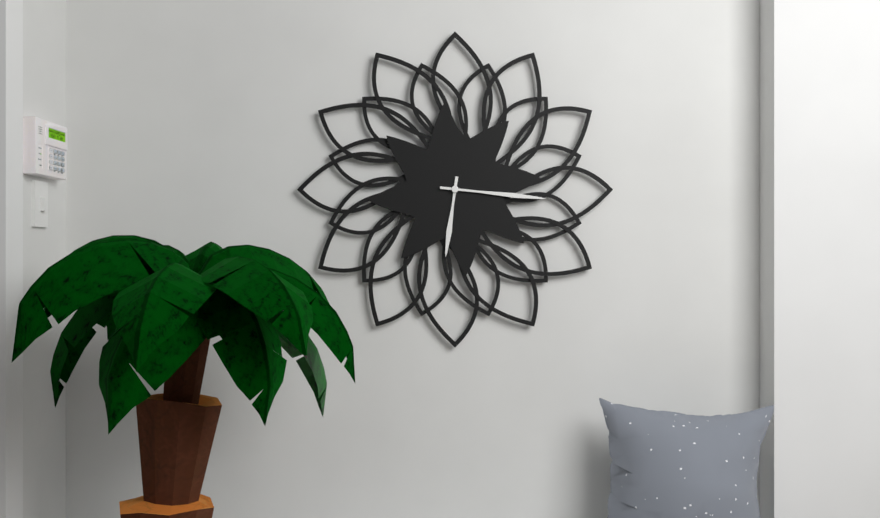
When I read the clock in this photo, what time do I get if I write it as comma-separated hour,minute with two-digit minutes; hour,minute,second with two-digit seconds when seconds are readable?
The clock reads 6,16
